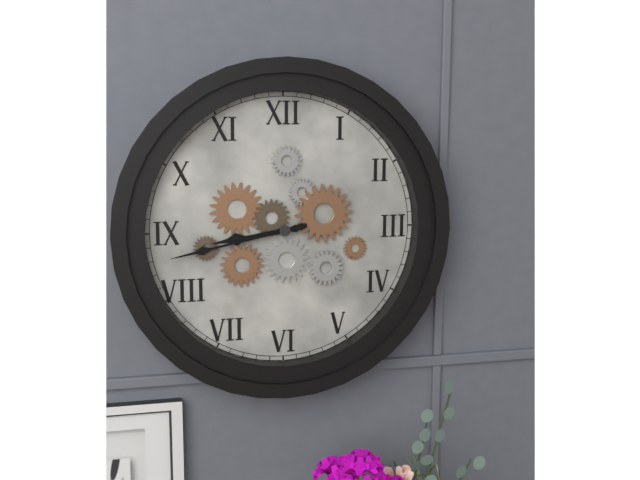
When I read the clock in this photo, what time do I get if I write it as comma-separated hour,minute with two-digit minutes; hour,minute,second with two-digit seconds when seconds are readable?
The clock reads 8,43
